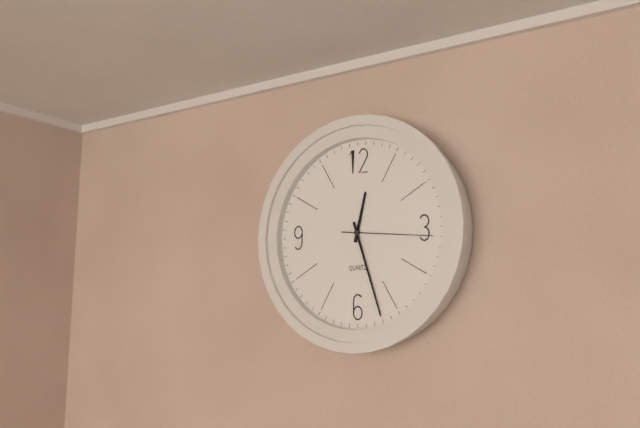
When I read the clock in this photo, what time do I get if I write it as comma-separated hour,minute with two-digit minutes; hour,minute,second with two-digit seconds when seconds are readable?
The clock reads 12,27,16
